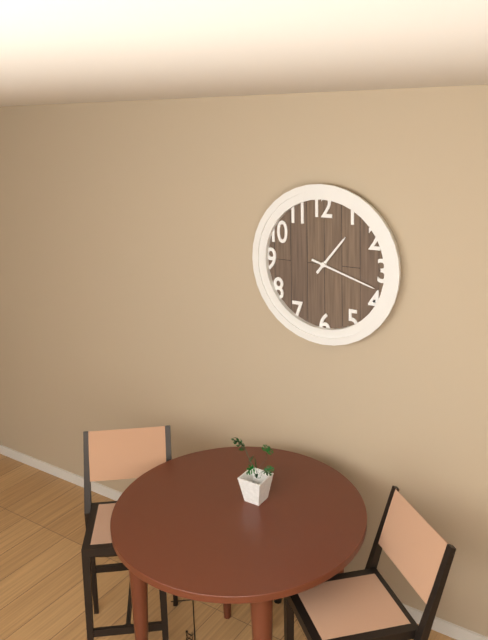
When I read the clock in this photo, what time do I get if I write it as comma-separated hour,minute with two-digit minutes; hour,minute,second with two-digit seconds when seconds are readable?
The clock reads 1,18
